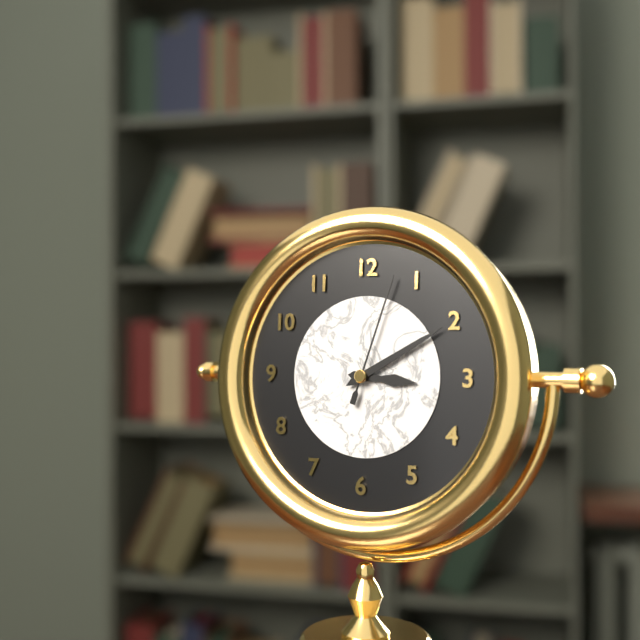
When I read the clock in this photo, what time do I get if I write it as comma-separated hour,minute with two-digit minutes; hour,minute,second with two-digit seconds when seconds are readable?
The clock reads 3,10,03
